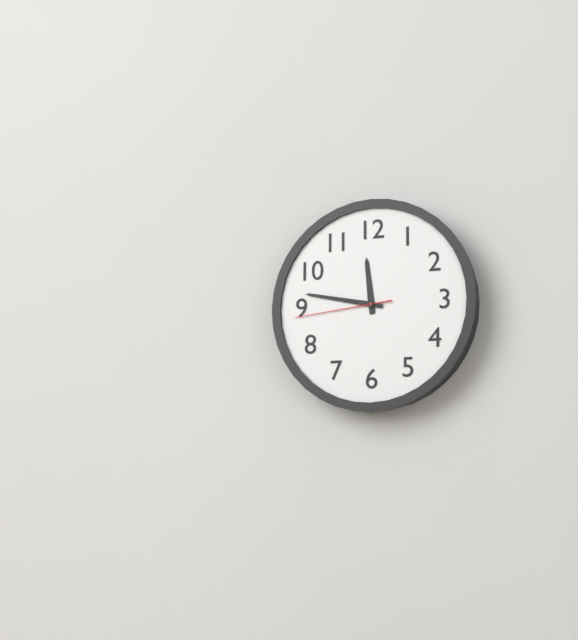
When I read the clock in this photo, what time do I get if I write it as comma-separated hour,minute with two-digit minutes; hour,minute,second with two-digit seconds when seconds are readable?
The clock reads 11,47,44
